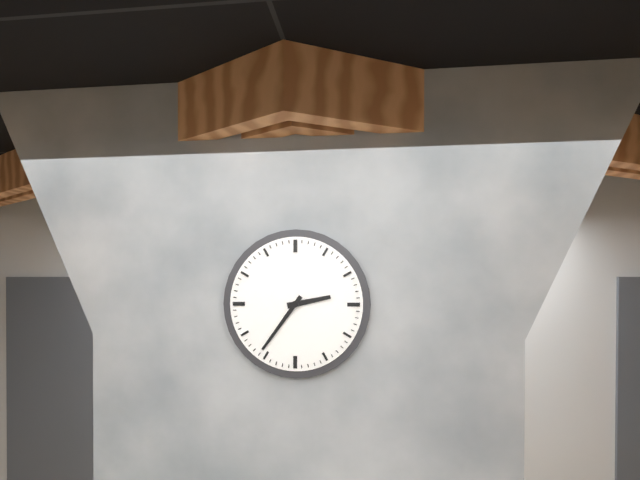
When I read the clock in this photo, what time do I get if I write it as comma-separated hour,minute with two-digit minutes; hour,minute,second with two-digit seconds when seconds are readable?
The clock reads 2,36
